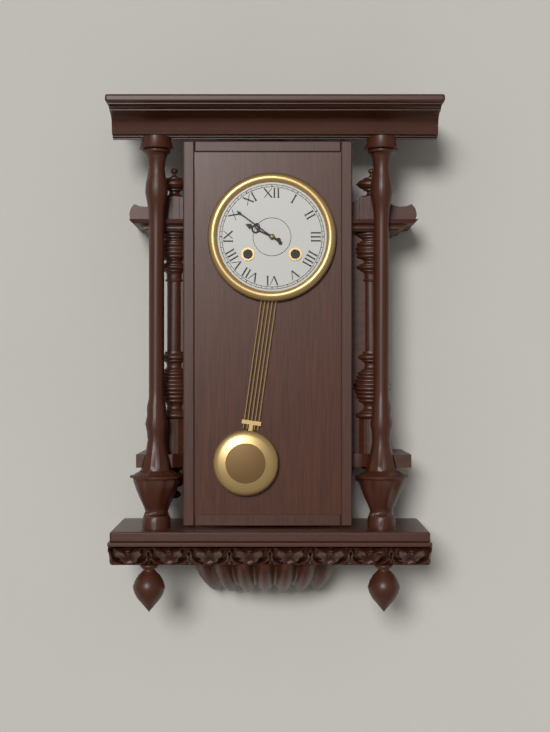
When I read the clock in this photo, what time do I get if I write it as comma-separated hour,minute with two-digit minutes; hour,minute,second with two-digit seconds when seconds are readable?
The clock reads 9,51
